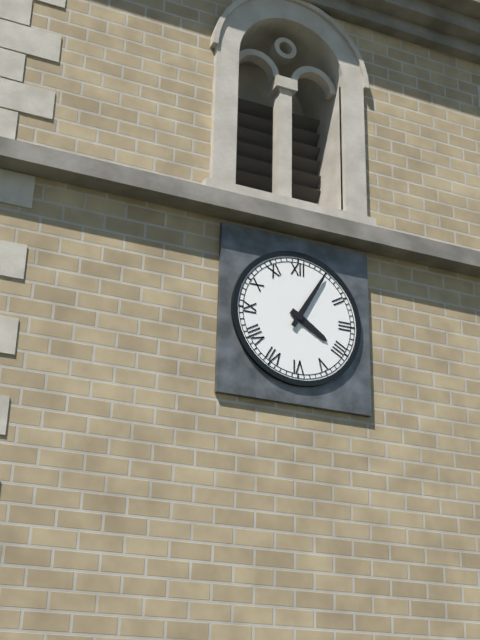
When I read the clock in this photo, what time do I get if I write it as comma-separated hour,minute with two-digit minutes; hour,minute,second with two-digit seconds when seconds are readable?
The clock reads 4,05
